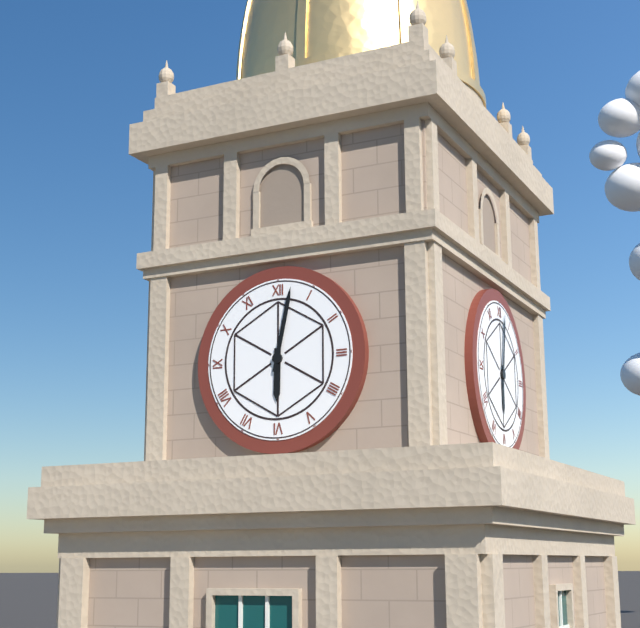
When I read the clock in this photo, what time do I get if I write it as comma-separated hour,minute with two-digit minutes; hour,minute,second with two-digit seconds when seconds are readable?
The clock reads 6,02
